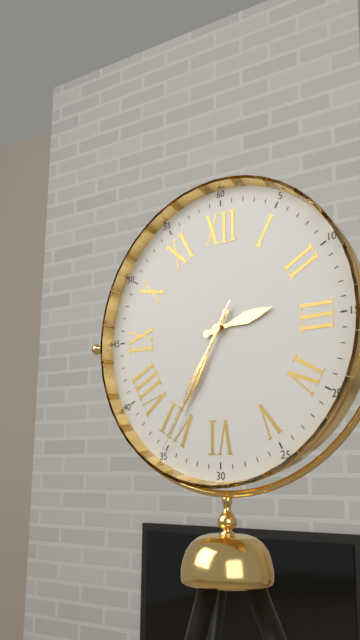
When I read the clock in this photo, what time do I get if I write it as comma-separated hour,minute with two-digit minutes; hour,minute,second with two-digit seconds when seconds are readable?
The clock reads 2,35,35
